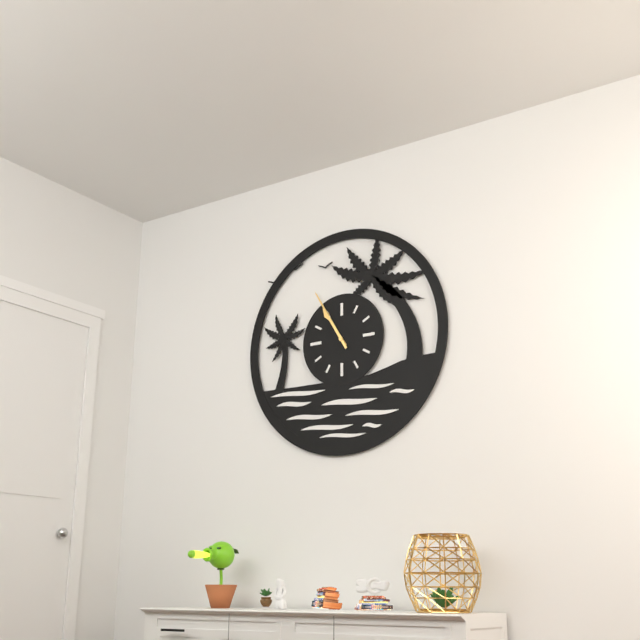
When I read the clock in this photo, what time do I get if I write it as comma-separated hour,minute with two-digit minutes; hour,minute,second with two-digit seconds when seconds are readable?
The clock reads 10,55
